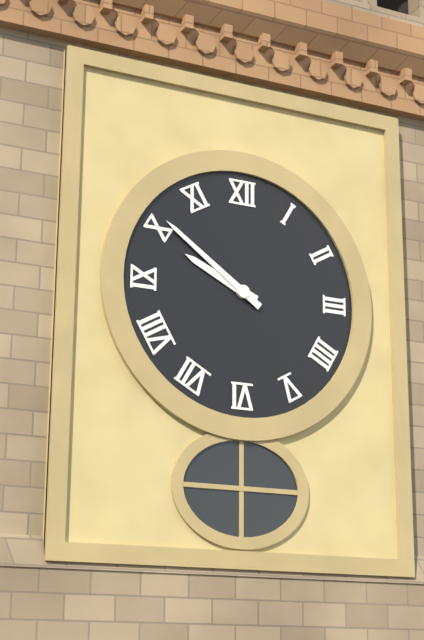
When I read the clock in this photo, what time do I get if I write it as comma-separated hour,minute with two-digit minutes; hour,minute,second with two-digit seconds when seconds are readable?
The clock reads 9,51
